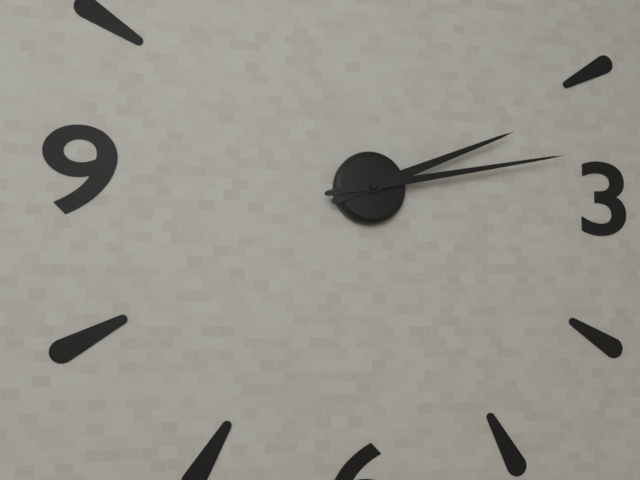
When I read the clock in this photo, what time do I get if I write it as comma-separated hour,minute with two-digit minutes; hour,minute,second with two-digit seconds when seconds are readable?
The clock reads 2,13
